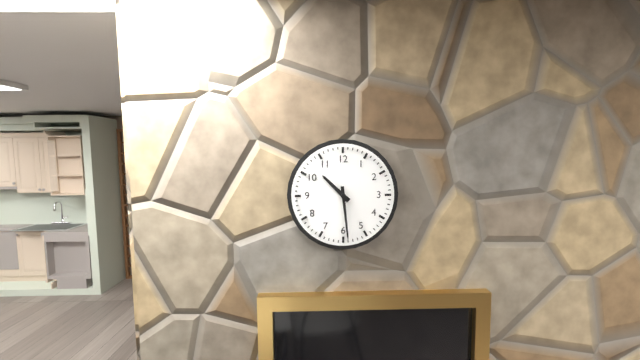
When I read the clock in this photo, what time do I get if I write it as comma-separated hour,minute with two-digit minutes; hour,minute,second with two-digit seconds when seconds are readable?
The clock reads 10,29
